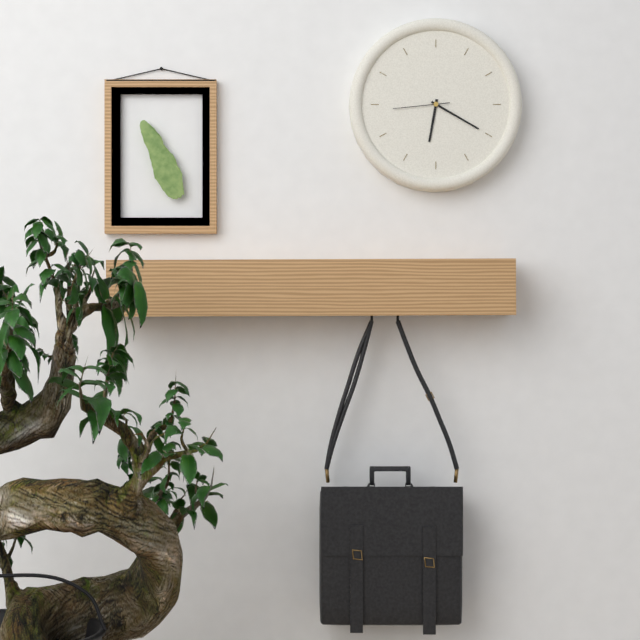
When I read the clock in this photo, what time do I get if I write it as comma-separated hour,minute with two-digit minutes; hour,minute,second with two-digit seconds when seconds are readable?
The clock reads 6,20,44
